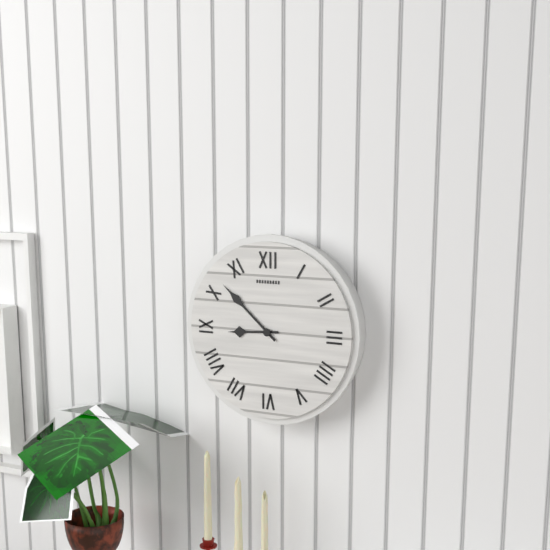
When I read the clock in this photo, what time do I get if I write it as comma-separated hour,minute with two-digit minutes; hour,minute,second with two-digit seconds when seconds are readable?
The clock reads 8,52
